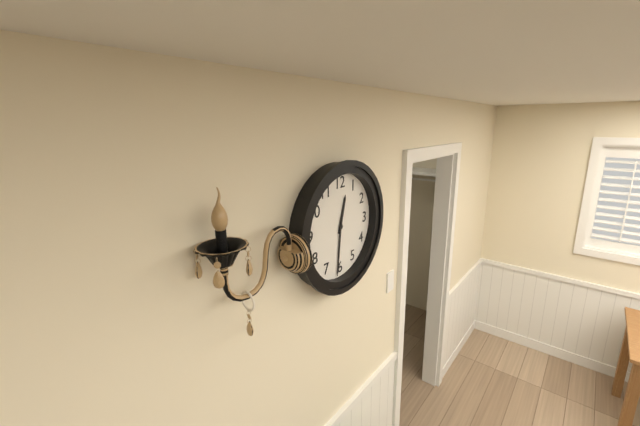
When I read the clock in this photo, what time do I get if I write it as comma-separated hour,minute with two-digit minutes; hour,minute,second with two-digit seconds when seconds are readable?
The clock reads 12,31
